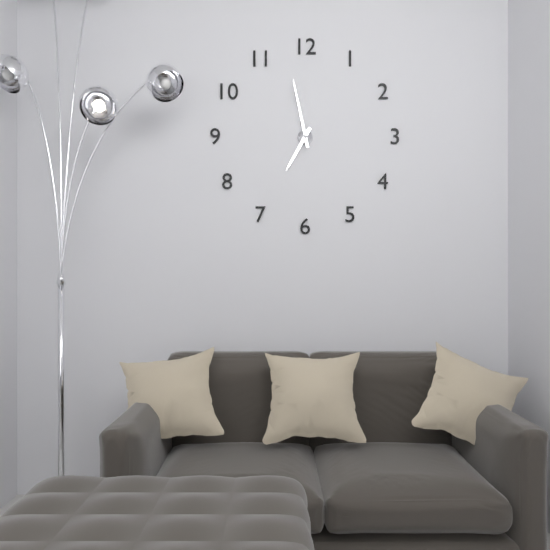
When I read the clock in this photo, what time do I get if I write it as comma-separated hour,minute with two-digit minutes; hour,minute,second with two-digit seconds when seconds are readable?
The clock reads 6,58
